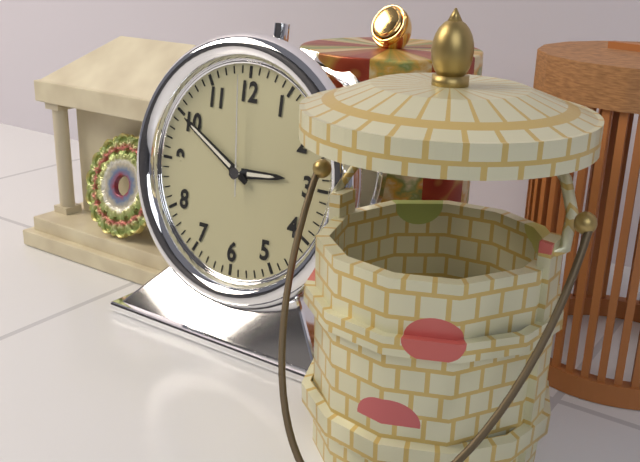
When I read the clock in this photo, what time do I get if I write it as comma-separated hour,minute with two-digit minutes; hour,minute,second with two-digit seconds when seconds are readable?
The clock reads 2,50,59
